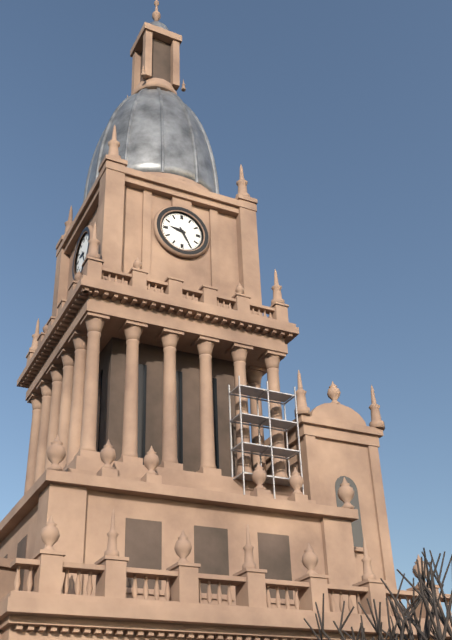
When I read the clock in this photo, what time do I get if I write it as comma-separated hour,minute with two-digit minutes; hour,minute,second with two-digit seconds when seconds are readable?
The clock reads 9,25
